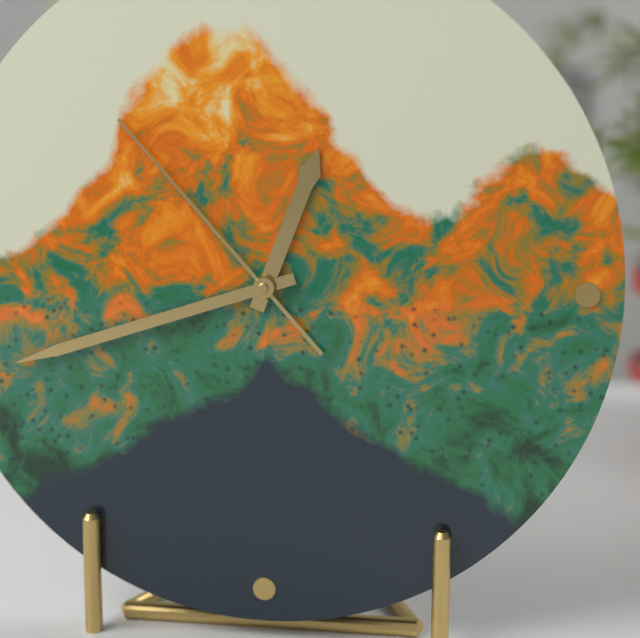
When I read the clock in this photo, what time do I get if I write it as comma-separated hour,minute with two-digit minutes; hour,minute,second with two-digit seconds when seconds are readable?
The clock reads 12,42,53
